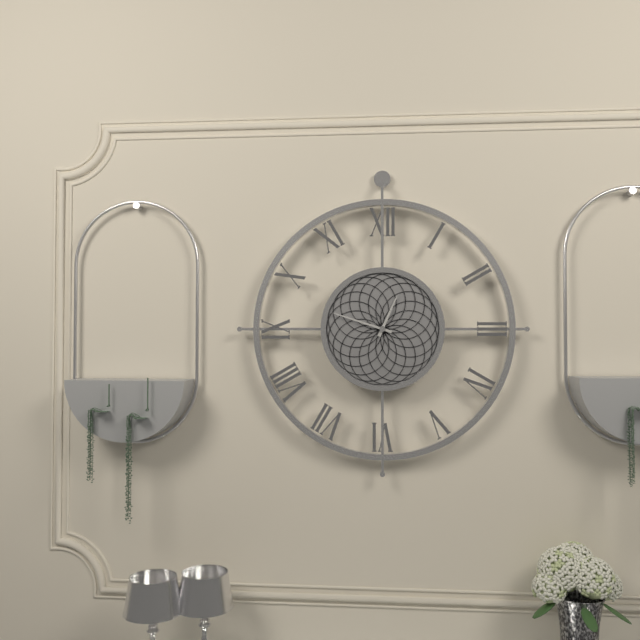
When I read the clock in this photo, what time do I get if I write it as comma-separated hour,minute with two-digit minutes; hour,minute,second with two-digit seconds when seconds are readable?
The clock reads 12,48
